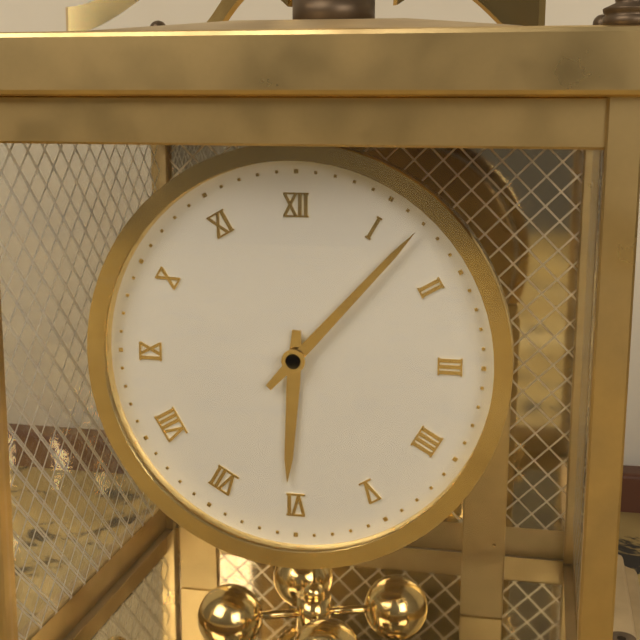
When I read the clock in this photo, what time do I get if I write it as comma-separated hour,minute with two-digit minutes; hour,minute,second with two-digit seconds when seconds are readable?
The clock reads 6,07
